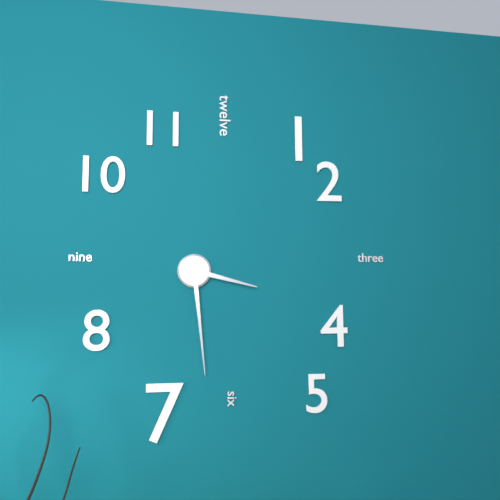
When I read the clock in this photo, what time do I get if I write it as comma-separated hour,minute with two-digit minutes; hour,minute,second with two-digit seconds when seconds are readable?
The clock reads 3,29
